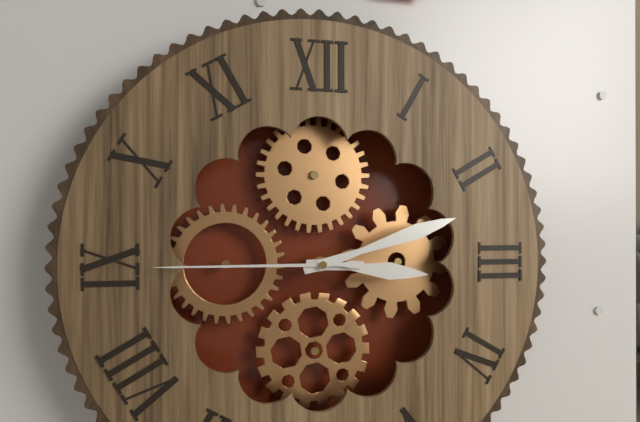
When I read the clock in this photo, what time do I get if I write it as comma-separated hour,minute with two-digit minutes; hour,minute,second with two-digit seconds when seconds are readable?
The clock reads 3,12,45
